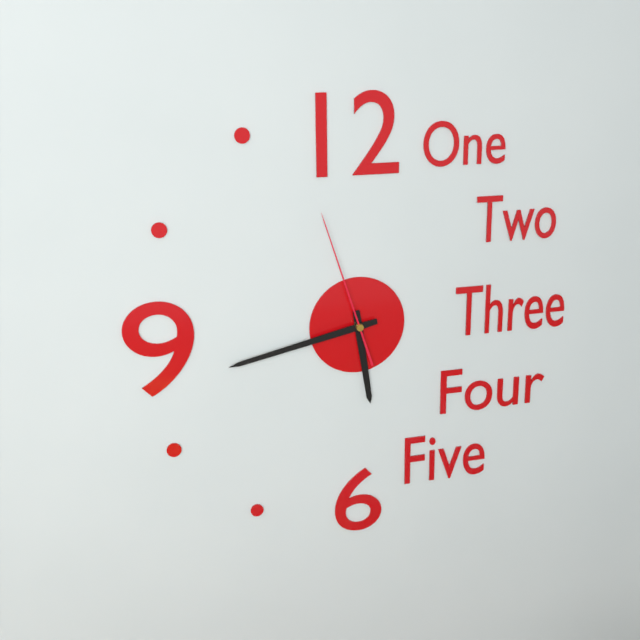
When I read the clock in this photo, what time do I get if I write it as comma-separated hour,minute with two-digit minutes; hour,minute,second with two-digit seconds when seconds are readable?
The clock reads 5,43,57
